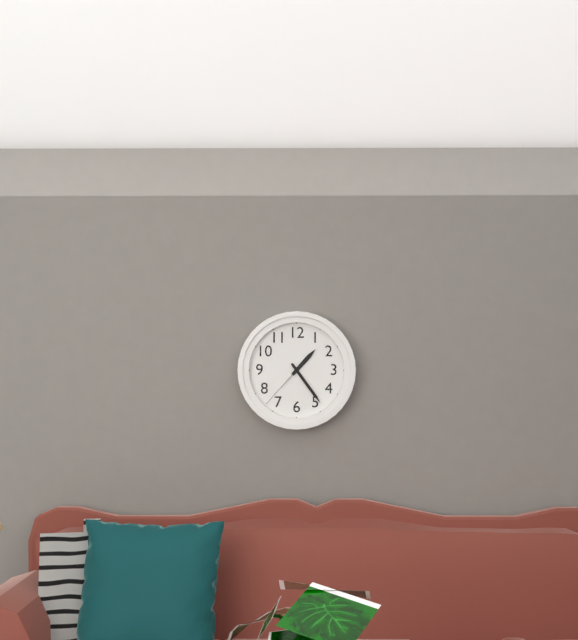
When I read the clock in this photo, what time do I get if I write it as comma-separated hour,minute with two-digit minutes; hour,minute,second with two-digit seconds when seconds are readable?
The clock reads 1,24,37
